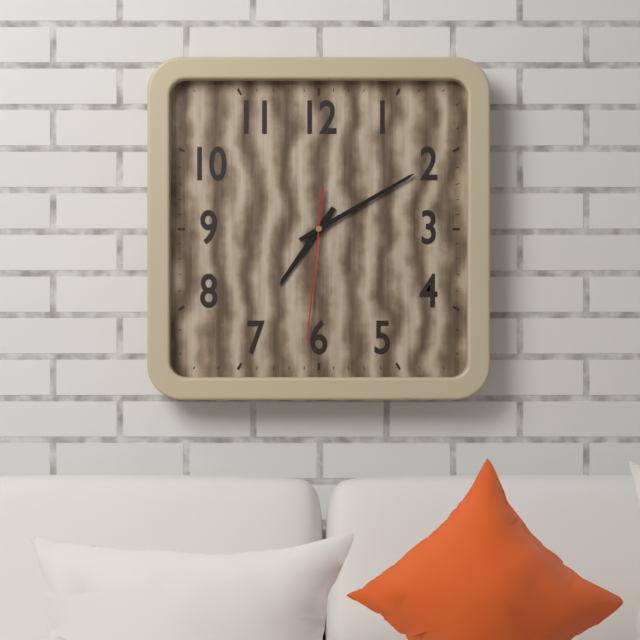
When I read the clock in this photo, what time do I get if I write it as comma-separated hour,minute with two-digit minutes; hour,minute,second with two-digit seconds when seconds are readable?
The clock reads 7,10,31
